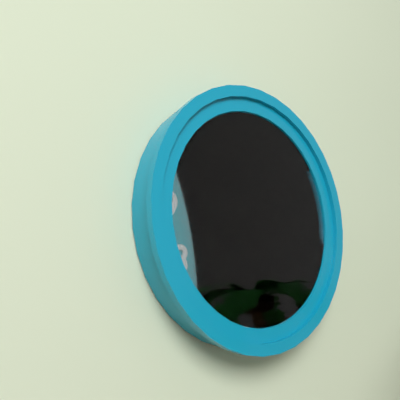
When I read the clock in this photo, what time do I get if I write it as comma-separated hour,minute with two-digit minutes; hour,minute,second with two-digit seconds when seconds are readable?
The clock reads 8,03,33
